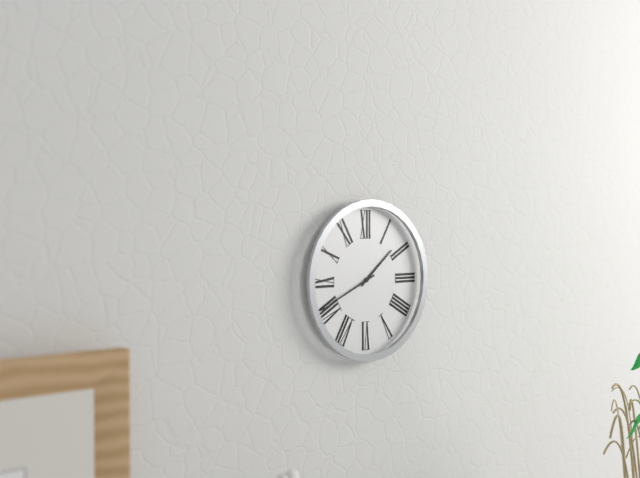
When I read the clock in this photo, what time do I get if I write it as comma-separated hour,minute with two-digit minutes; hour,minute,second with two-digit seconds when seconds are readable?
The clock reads 1,41
